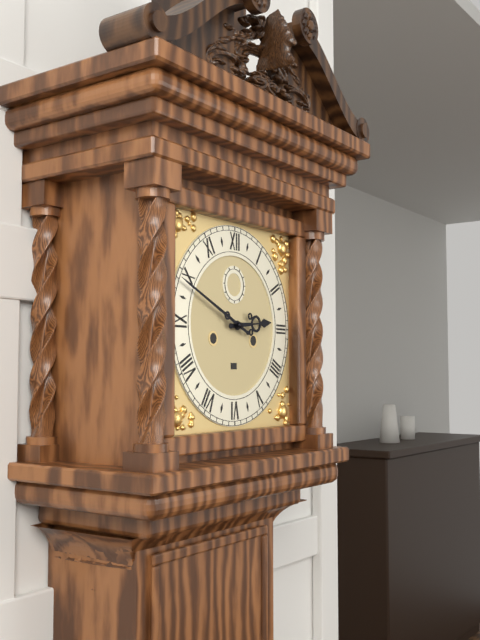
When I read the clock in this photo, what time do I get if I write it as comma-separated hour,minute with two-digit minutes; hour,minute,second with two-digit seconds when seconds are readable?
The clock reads 2,49
